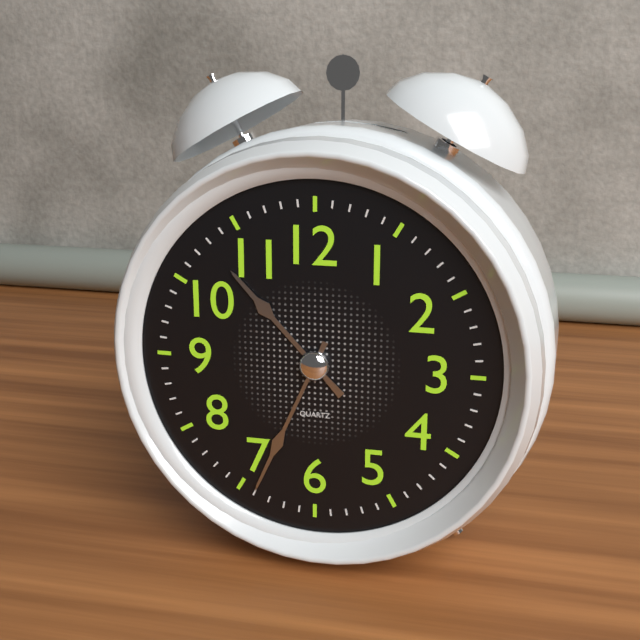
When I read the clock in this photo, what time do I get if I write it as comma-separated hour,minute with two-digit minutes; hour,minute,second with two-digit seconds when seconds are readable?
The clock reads 10,34
